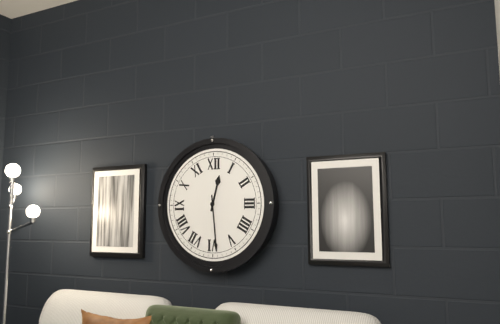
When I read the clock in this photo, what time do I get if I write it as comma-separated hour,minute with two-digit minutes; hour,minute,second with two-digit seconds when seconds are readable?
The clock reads 12,29
